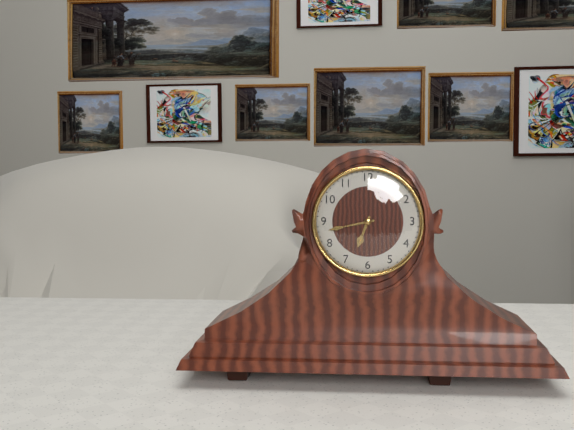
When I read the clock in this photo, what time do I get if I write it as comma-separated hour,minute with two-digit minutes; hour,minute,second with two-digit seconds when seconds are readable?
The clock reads 6,43
